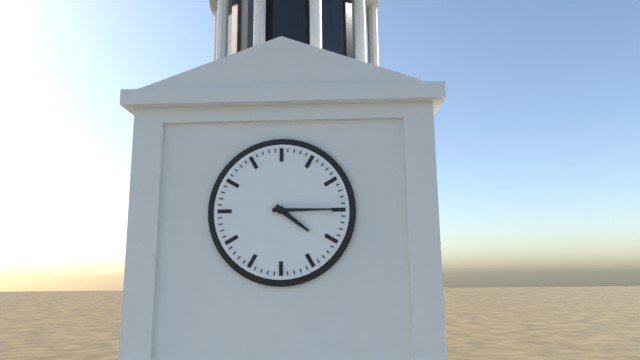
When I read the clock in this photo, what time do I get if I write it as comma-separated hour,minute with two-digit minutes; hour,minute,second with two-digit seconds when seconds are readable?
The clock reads 4,15
